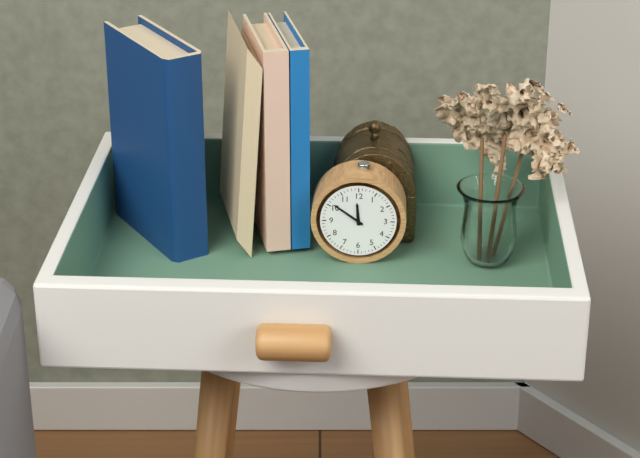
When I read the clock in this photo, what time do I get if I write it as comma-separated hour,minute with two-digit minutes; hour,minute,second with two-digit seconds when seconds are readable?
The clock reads 11,51
